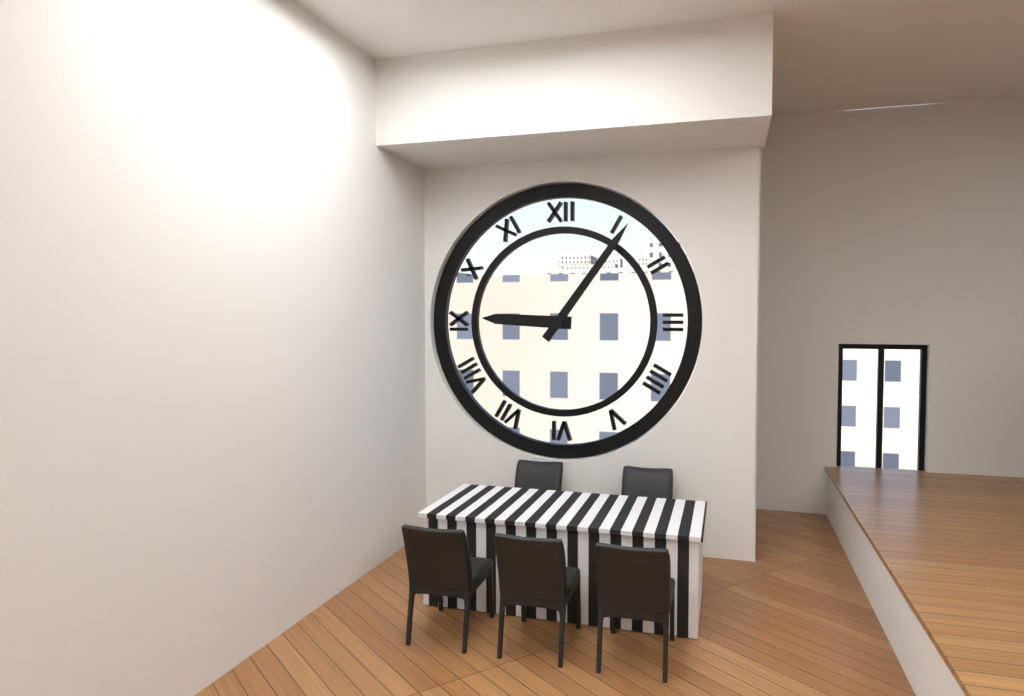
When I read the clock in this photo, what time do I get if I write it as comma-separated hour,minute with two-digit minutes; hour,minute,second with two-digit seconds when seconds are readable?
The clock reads 9,06
